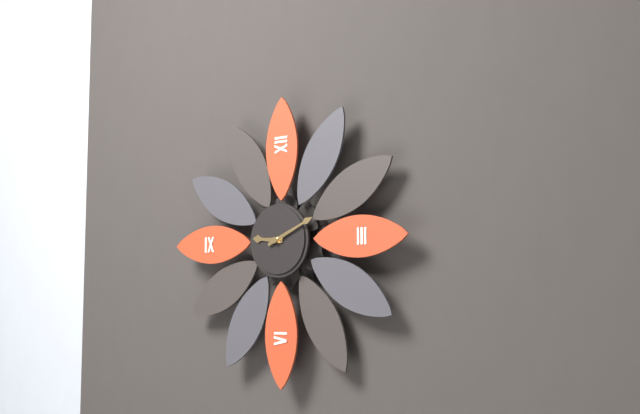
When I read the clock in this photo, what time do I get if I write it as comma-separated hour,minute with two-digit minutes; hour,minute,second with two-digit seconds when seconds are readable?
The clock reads 9,11
